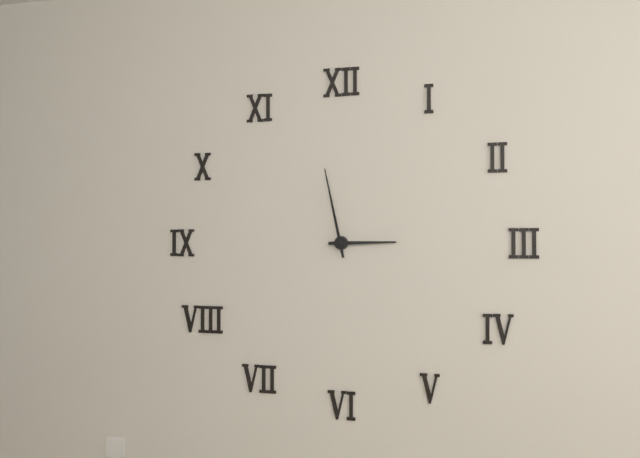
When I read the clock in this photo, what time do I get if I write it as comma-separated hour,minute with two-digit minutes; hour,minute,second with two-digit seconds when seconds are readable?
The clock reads 2,58
